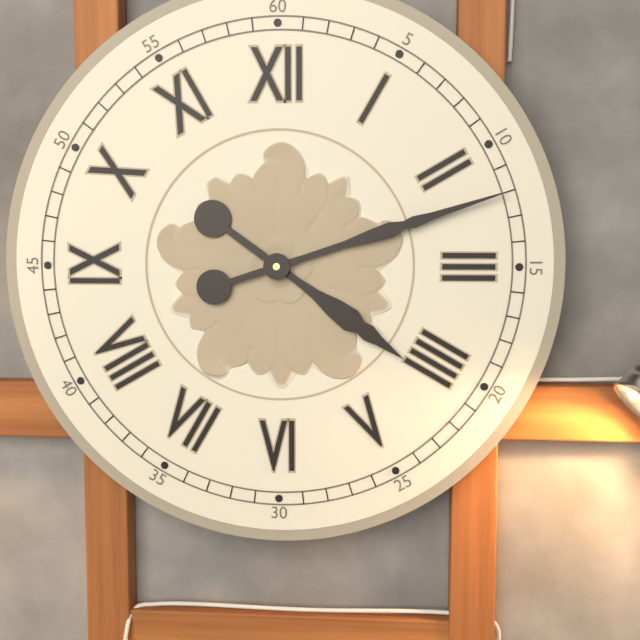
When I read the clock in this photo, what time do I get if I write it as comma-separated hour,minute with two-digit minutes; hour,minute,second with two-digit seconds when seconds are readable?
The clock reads 4,12
